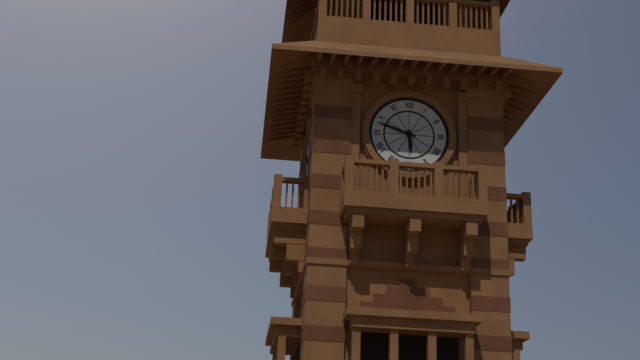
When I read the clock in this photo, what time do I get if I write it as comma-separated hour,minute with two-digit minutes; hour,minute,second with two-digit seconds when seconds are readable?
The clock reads 5,48
